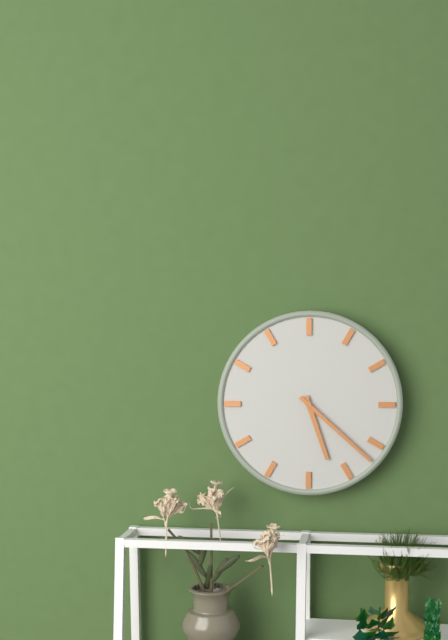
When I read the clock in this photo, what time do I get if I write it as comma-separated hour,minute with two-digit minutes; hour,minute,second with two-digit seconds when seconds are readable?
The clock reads 5,22
